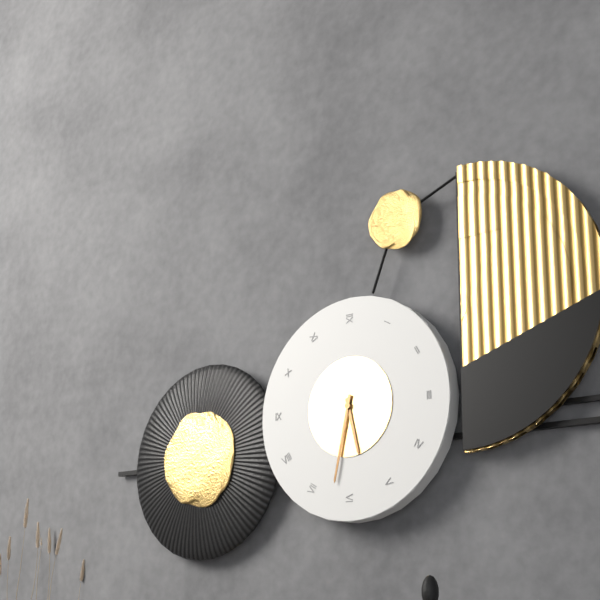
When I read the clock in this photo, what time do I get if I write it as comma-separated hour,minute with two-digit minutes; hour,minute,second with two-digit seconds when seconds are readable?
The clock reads 5,32
